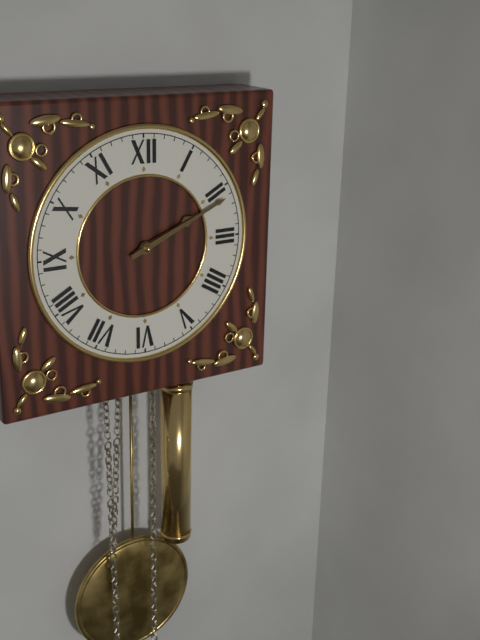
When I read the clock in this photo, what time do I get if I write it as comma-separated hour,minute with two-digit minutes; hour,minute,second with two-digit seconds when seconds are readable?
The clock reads 2,11
